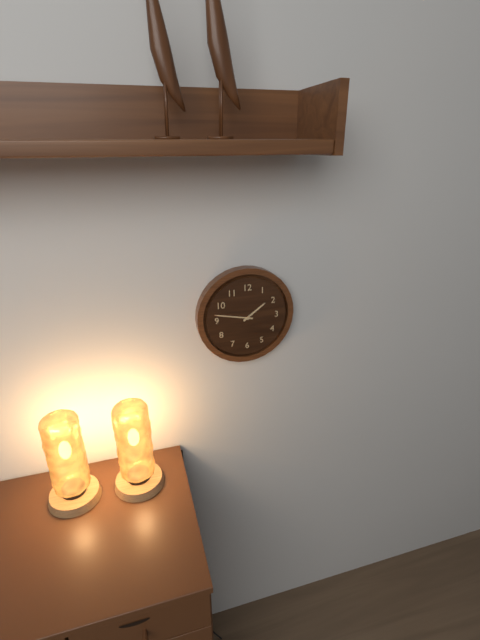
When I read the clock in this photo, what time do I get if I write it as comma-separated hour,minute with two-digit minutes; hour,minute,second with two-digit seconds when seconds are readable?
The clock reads 1,47
